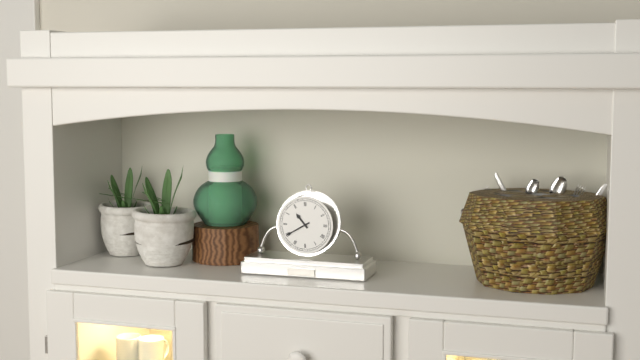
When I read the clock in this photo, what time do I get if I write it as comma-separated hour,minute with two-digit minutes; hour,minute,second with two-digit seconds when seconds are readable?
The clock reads 10,40
